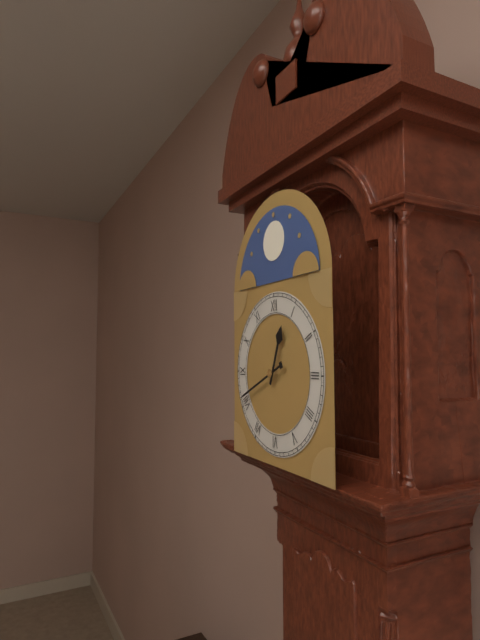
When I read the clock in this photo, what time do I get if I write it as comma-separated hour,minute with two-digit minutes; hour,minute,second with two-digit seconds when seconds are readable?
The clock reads 12,41
